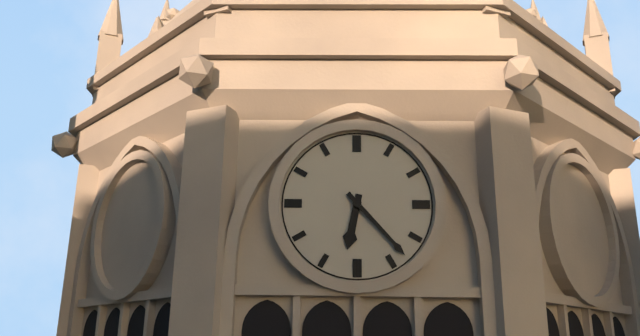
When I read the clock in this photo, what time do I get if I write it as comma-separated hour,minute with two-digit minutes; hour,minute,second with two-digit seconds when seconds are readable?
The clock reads 6,23
